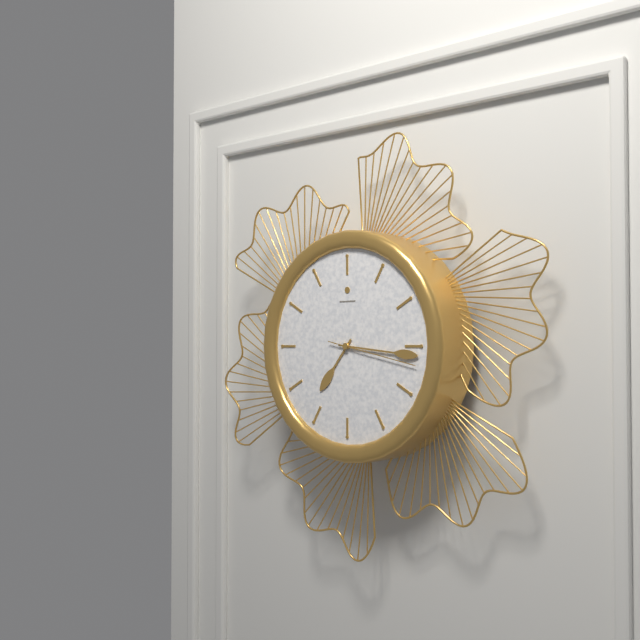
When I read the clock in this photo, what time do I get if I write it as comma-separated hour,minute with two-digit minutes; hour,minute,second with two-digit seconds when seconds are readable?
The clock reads 7,16,17
